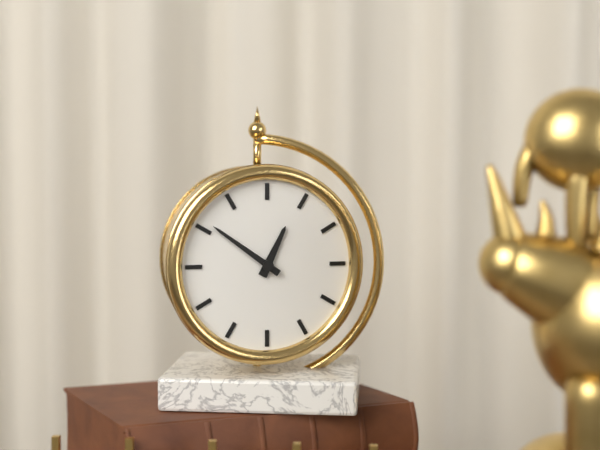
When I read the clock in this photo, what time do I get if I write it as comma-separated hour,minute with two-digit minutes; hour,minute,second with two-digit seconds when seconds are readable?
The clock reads 12,51
